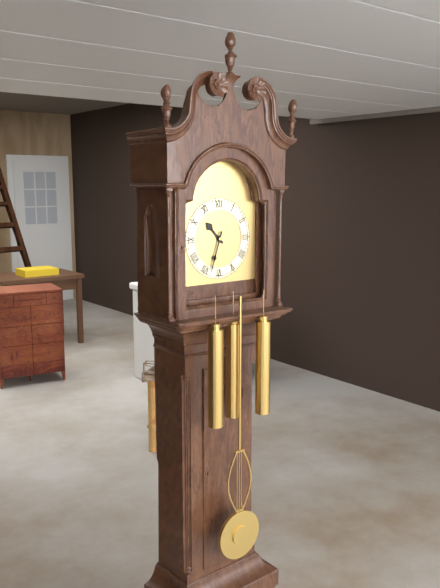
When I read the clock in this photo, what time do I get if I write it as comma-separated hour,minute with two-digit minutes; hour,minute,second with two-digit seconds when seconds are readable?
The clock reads 10,33
